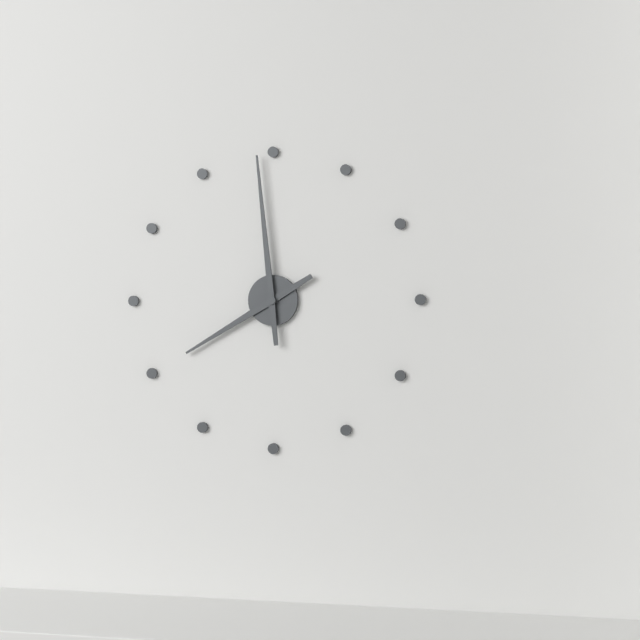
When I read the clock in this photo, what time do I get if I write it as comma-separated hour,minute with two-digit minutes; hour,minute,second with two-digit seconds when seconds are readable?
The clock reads 7,59
